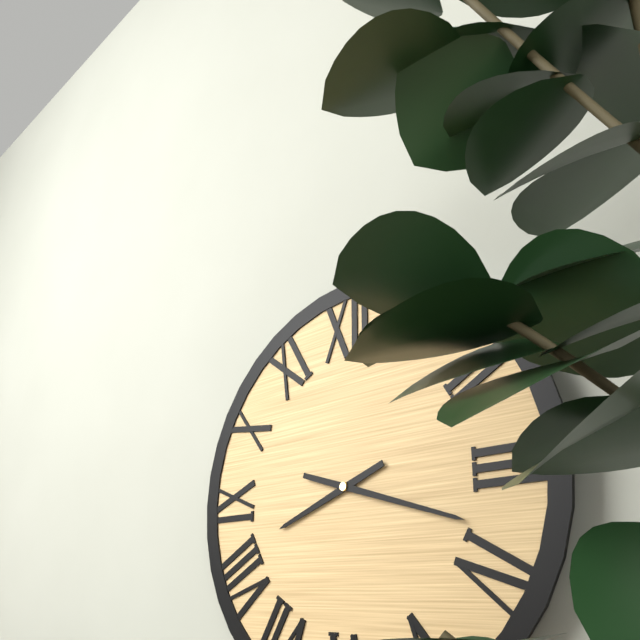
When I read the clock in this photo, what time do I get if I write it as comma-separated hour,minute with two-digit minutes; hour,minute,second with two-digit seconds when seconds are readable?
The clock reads 8,18
